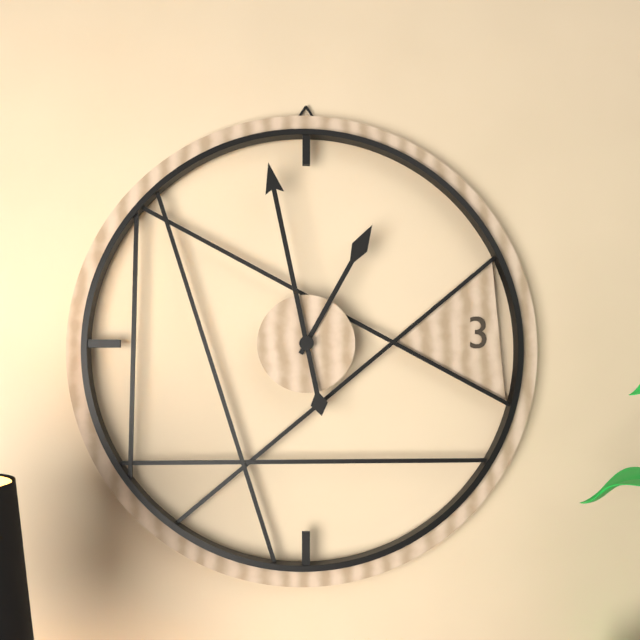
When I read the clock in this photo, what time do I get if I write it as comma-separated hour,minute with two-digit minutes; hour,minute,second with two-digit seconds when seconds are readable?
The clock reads 12,58
